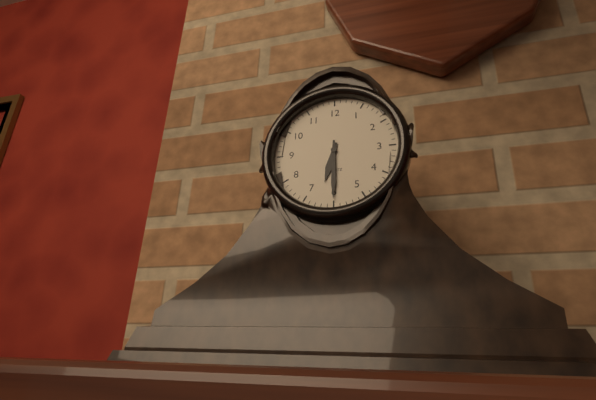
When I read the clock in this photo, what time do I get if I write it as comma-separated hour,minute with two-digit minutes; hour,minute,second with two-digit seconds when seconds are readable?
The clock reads 6,30
